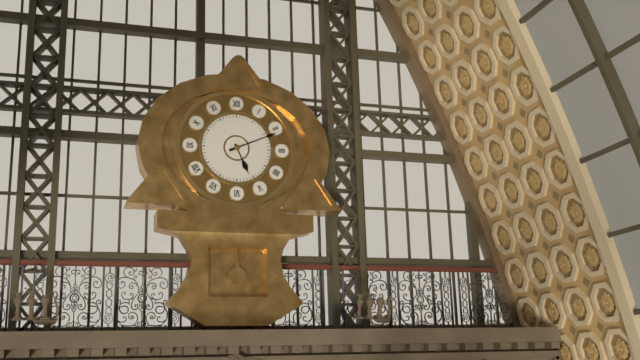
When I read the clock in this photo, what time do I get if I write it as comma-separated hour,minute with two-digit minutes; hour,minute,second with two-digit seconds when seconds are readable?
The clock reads 5,11
